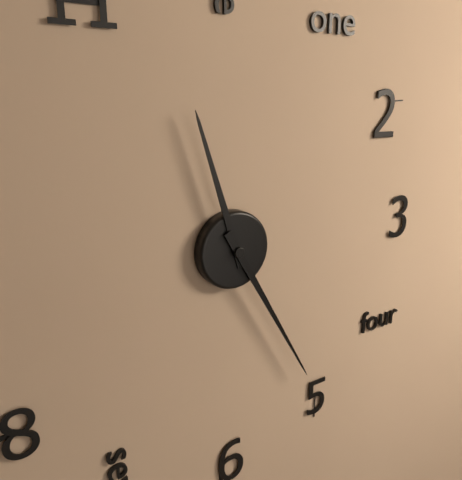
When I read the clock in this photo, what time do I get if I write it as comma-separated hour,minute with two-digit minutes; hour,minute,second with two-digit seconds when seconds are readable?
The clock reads 11,25
